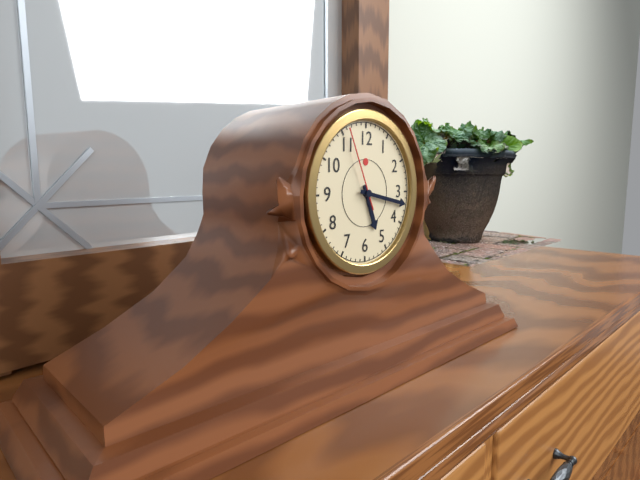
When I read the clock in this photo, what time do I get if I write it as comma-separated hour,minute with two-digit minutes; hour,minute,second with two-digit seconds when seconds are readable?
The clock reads 5,17,56
